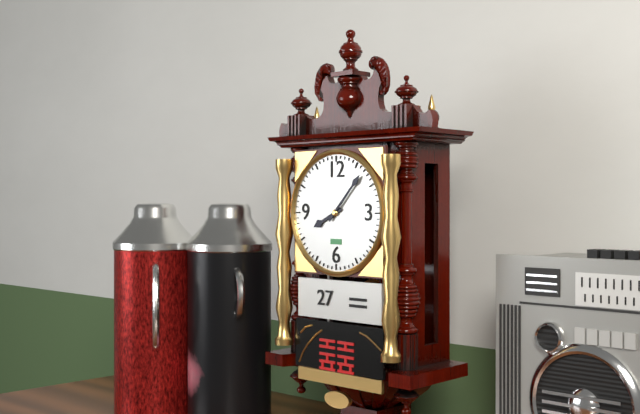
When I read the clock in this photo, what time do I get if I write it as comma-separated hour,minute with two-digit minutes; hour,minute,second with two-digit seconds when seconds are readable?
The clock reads 8,07
